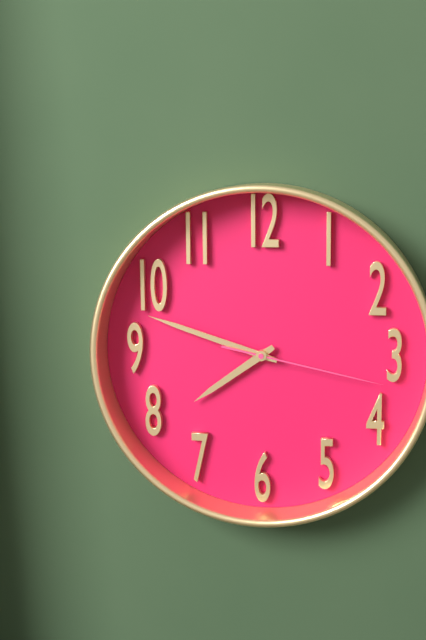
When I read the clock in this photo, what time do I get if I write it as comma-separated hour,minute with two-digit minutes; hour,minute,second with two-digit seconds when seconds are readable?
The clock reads 7,48,17
